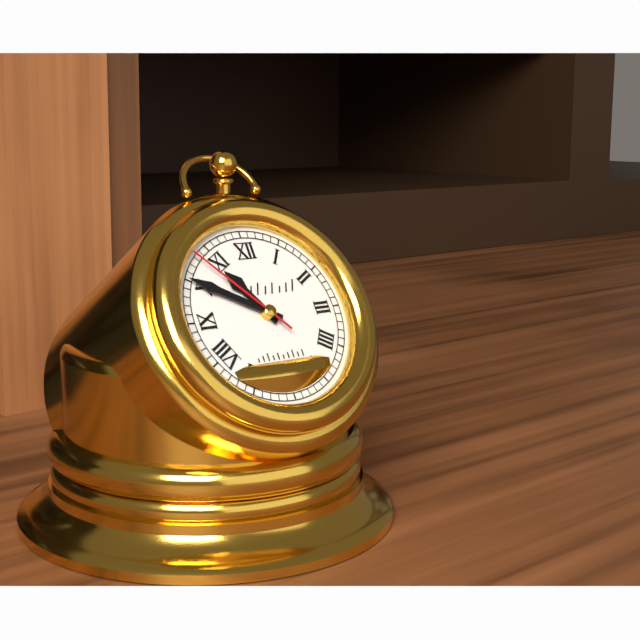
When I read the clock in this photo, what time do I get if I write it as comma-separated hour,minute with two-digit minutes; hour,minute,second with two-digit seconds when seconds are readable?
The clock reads 10,50,53
